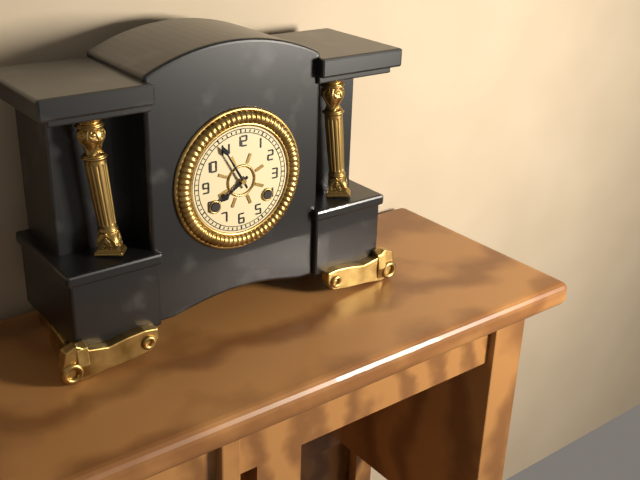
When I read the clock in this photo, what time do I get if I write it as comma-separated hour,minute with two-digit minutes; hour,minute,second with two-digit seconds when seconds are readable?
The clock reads 7,55
